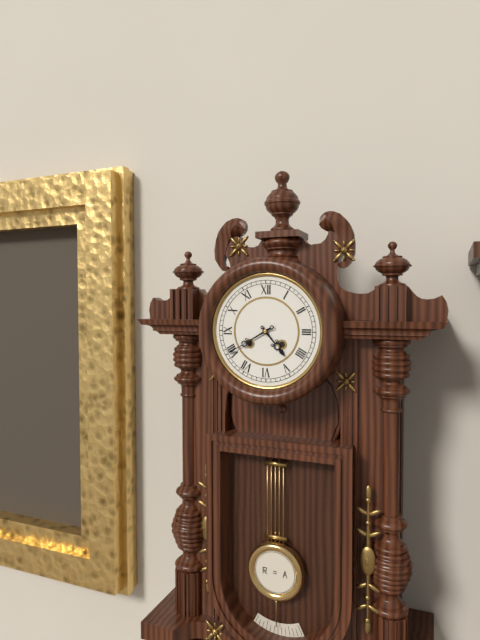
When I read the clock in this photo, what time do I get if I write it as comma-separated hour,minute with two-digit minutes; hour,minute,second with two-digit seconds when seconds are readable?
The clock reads 4,40
